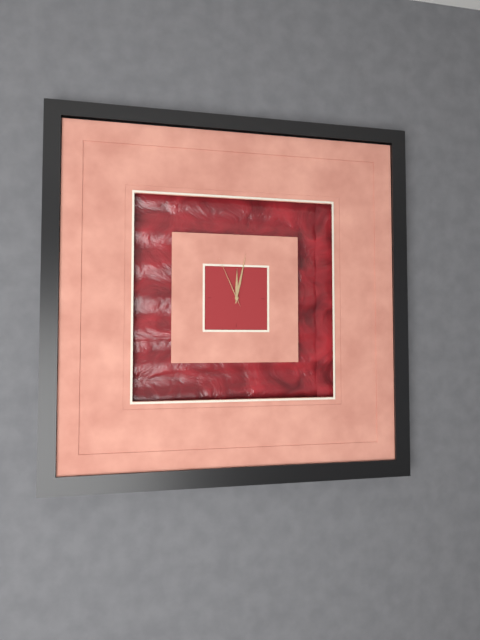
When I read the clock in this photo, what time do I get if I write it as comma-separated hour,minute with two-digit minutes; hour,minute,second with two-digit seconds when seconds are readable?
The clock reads 12,02,56
